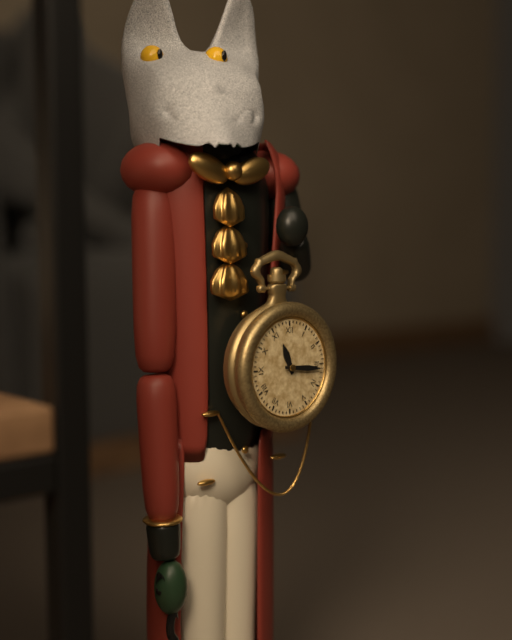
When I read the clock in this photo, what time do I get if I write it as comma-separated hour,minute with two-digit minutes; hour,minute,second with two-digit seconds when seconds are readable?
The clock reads 11,16
